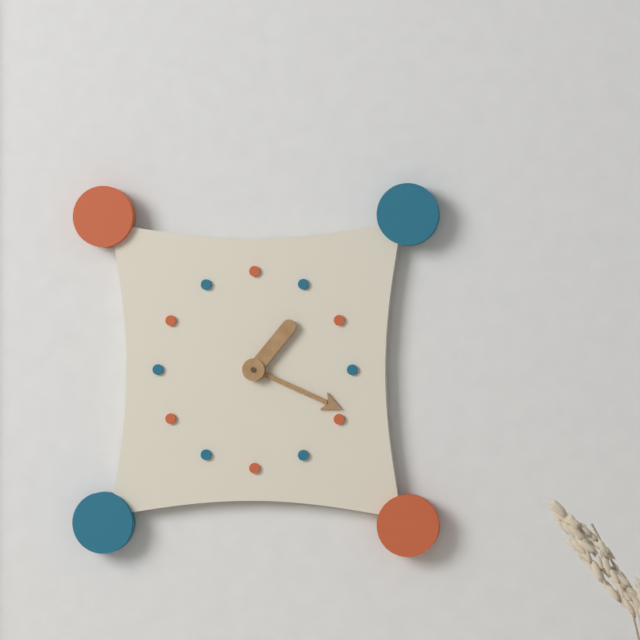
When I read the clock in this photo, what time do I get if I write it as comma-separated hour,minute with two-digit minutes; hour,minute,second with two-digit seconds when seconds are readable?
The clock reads 1,19
